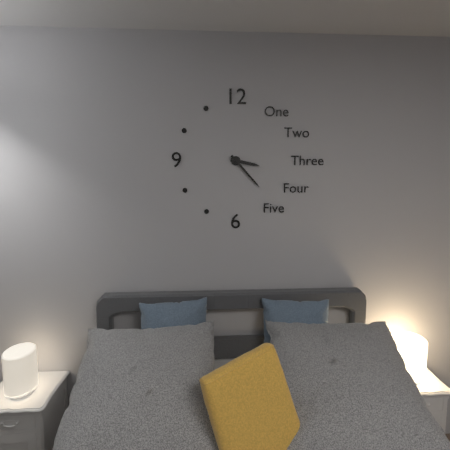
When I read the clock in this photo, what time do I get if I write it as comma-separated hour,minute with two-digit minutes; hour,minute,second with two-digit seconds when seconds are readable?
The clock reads 3,23
